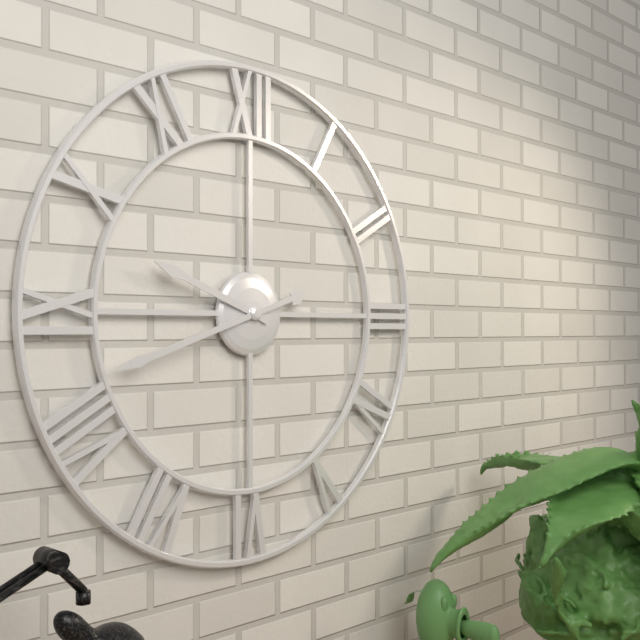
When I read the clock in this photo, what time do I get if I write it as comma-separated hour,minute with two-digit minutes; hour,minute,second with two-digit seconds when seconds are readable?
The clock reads 9,42
